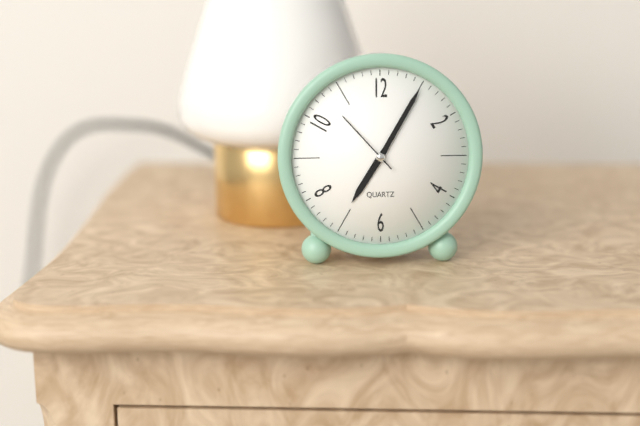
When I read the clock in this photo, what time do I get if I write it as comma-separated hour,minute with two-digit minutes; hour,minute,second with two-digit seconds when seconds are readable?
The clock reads 7,05,53
